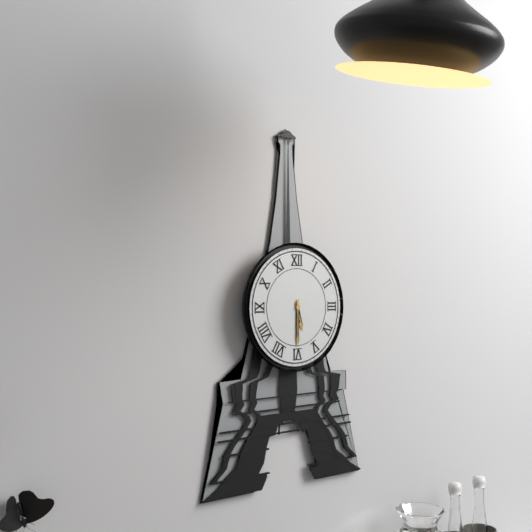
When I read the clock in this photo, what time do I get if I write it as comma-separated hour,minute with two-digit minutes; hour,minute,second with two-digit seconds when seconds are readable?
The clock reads 5,30
